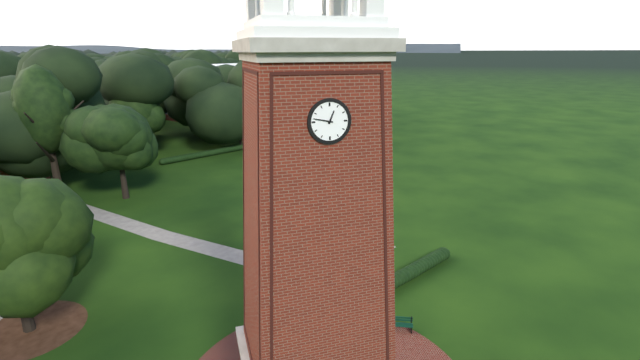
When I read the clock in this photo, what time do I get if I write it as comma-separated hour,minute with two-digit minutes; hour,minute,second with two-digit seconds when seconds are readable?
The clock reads 12,47
